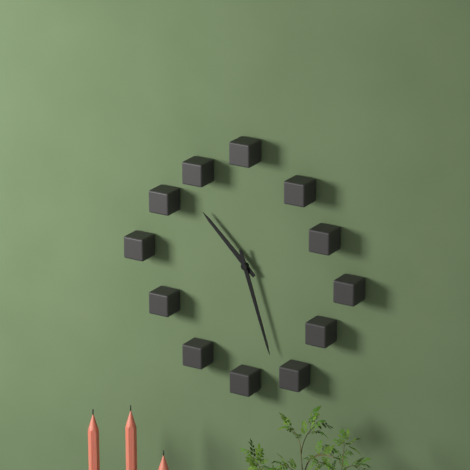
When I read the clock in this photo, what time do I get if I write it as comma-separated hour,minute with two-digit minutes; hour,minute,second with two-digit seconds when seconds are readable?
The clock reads 10,27
